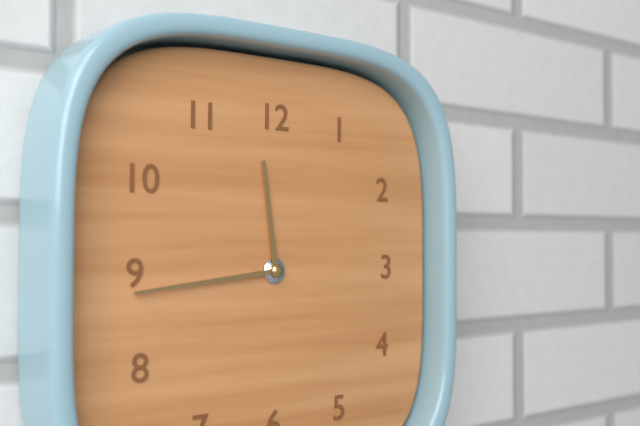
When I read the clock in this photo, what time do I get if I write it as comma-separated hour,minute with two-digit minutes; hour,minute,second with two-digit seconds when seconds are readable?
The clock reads 11,44
